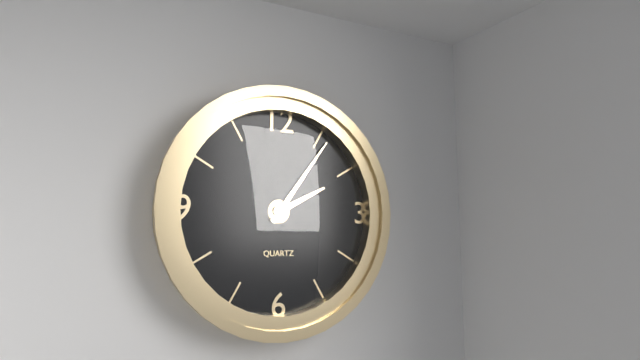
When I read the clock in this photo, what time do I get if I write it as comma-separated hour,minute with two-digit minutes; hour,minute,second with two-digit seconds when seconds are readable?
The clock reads 2,06
